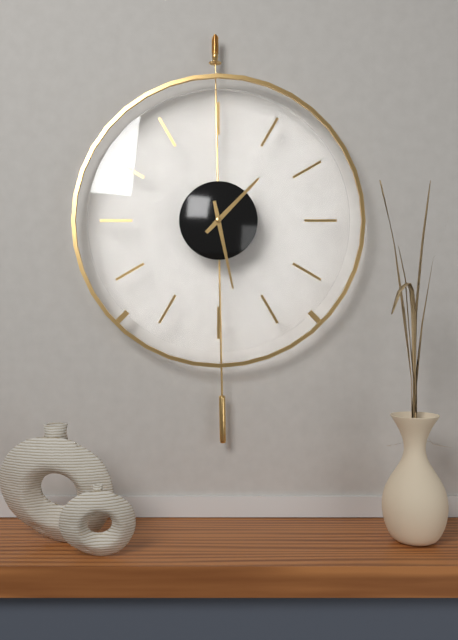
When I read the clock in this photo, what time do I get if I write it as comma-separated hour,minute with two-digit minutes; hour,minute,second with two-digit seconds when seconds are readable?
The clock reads 1,28
